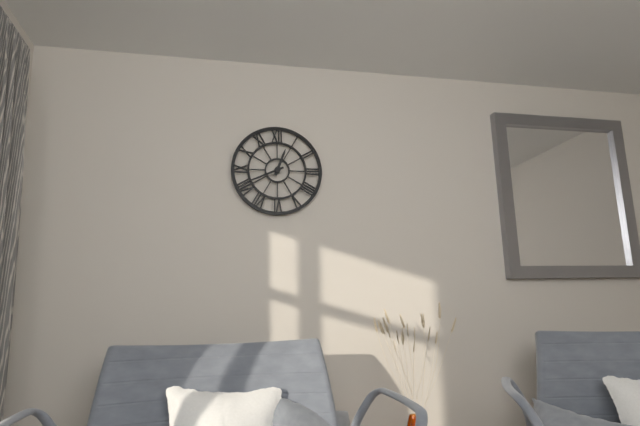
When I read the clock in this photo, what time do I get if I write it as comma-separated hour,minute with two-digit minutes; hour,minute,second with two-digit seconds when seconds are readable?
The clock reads 12,41
